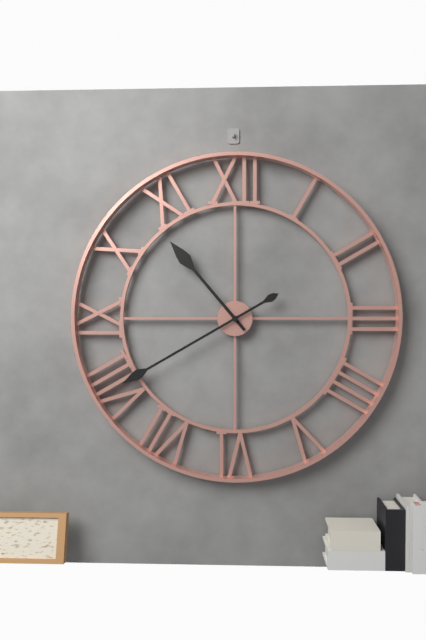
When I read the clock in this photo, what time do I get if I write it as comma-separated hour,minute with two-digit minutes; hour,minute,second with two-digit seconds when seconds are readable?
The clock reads 10,40
